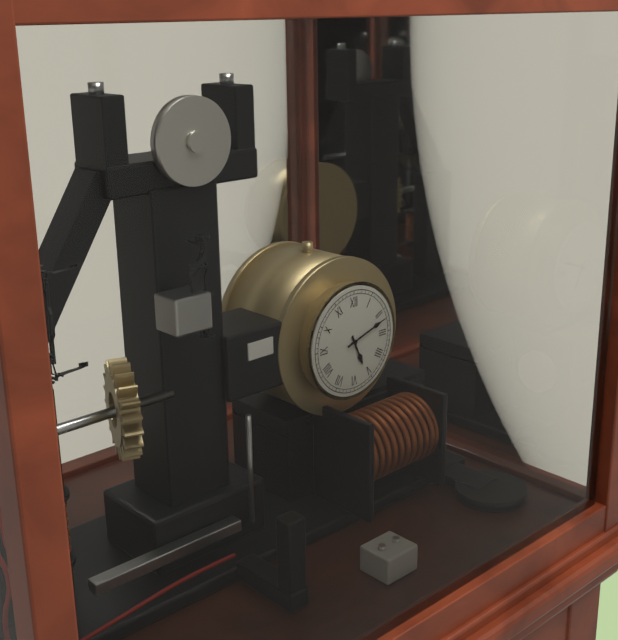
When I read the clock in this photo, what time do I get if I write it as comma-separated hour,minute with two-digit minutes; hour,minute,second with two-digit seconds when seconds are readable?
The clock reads 5,12
